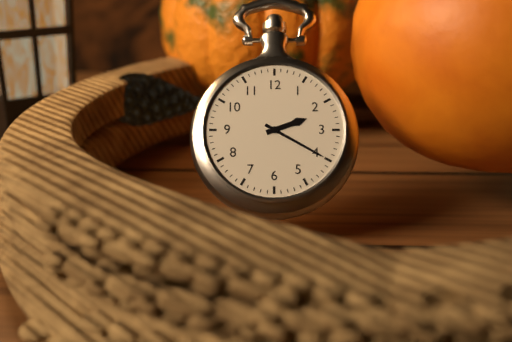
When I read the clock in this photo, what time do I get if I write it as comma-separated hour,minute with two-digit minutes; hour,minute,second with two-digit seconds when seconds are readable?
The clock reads 2,20
